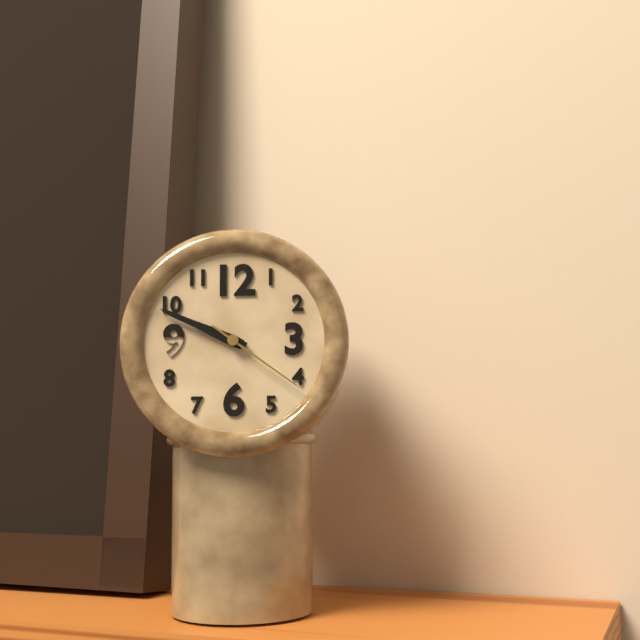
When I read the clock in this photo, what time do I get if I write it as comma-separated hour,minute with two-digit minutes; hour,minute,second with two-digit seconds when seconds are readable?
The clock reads 9,49,21
